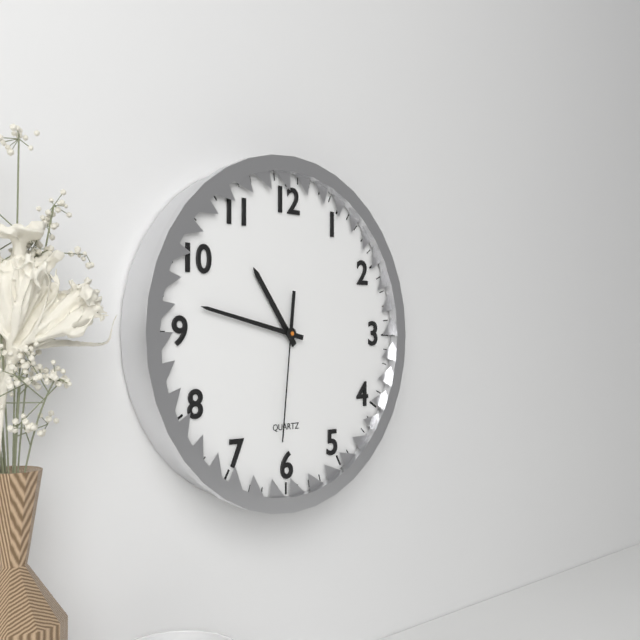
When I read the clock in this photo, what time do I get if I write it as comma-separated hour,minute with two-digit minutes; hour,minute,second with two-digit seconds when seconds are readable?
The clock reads 10,47,31
